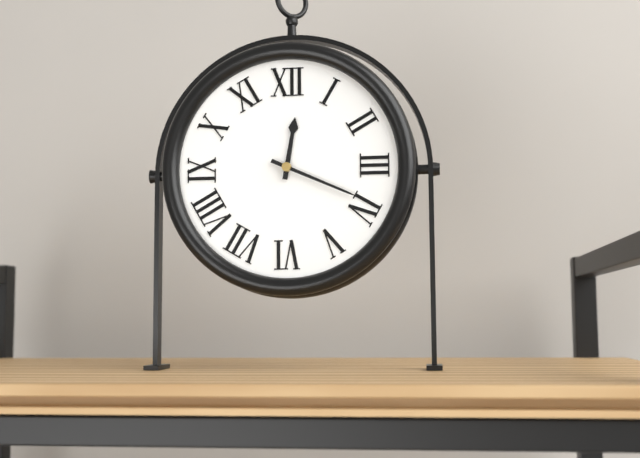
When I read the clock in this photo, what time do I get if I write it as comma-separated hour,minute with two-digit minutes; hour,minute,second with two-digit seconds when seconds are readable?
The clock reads 12,19
